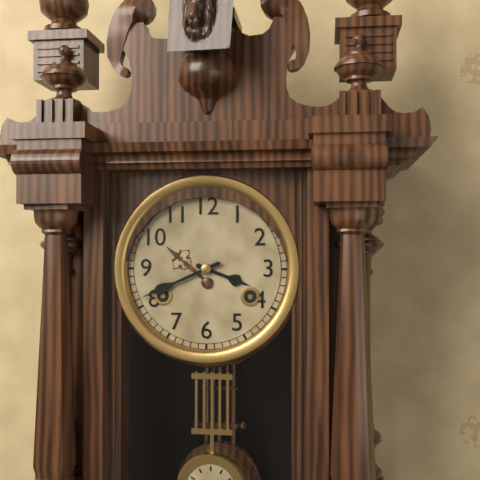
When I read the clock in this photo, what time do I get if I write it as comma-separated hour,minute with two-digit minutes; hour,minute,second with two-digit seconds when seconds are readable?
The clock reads 3,41
